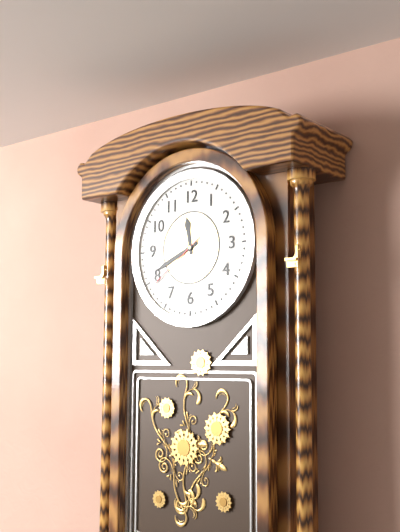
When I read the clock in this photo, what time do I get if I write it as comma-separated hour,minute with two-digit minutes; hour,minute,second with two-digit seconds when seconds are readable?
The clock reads 11,41,39
